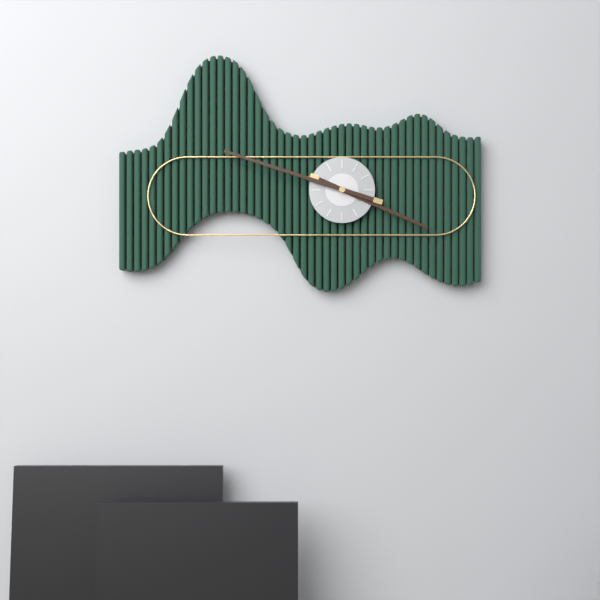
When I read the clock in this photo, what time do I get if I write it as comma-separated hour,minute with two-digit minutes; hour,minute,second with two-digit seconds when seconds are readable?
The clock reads 3,48
